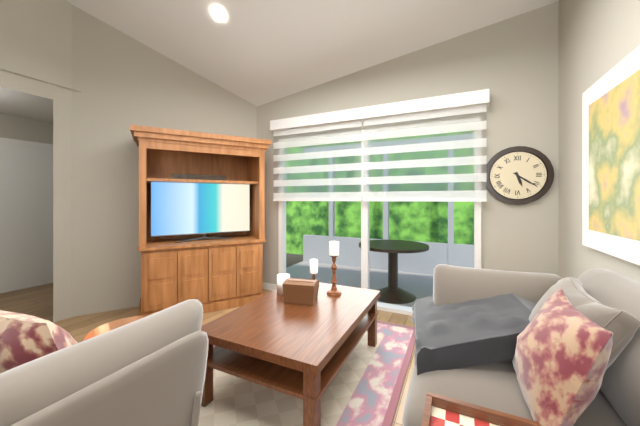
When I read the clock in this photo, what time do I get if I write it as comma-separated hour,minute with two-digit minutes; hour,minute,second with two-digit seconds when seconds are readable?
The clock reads 5,21
